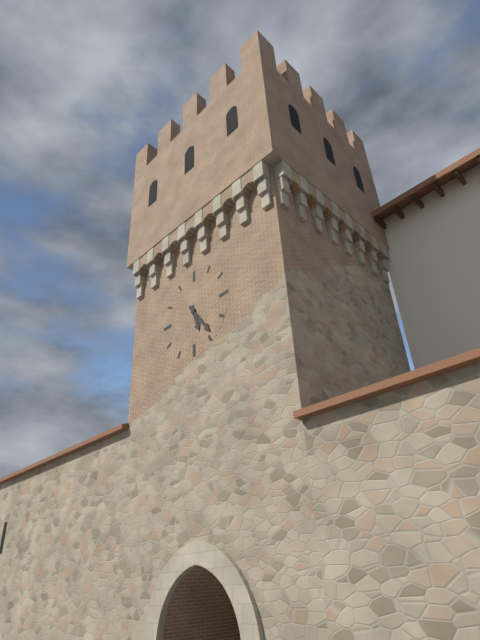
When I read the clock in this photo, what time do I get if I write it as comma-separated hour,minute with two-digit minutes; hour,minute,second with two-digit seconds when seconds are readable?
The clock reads 5,24
